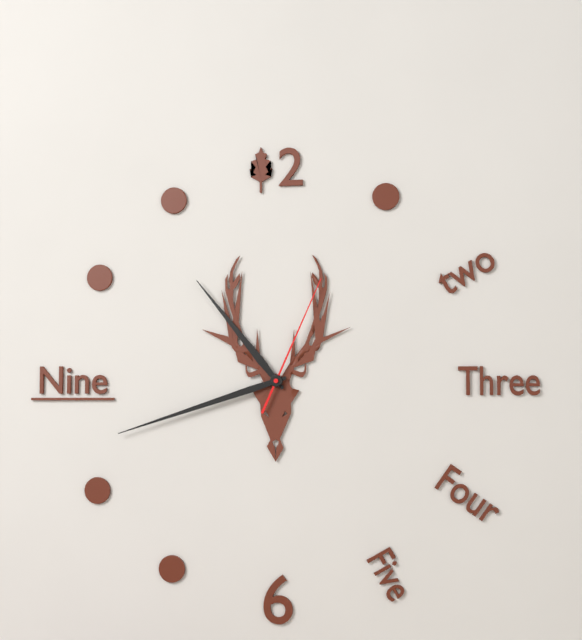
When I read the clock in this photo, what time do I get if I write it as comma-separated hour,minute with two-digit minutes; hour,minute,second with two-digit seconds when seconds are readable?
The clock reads 10,42,04
